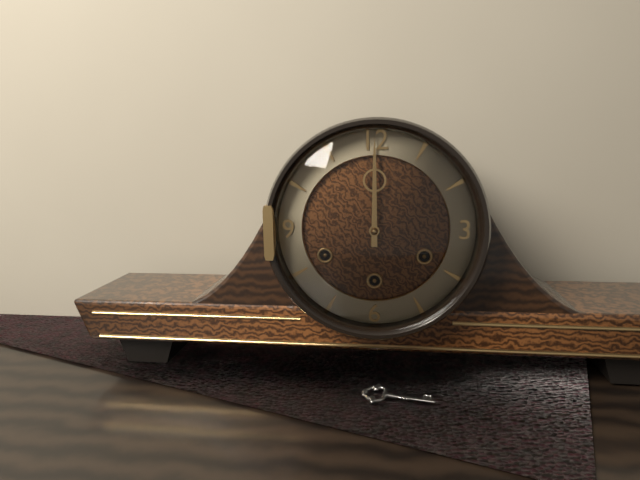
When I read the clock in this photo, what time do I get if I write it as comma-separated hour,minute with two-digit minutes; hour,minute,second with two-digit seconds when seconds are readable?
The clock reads 12,00
